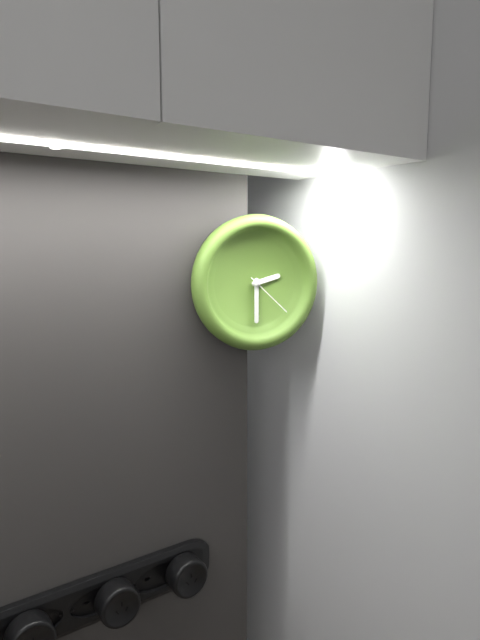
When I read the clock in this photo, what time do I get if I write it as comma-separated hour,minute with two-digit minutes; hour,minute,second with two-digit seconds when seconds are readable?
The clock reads 2,30,22
